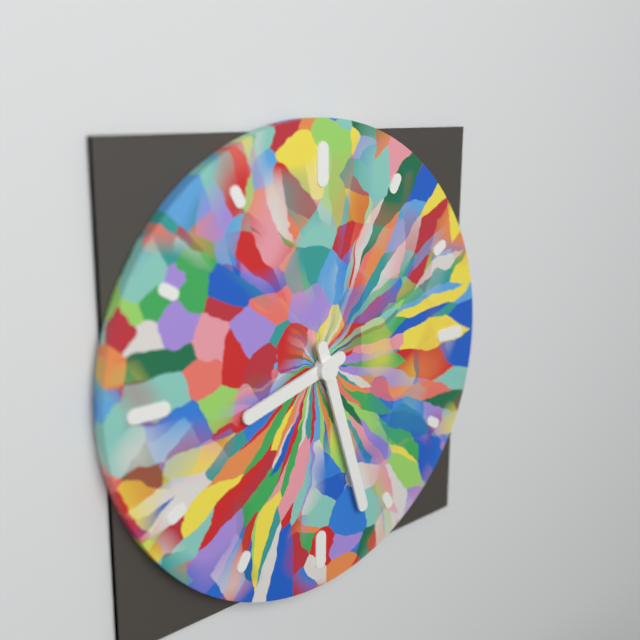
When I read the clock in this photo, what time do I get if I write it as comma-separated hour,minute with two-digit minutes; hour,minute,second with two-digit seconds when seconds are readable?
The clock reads 8,27
